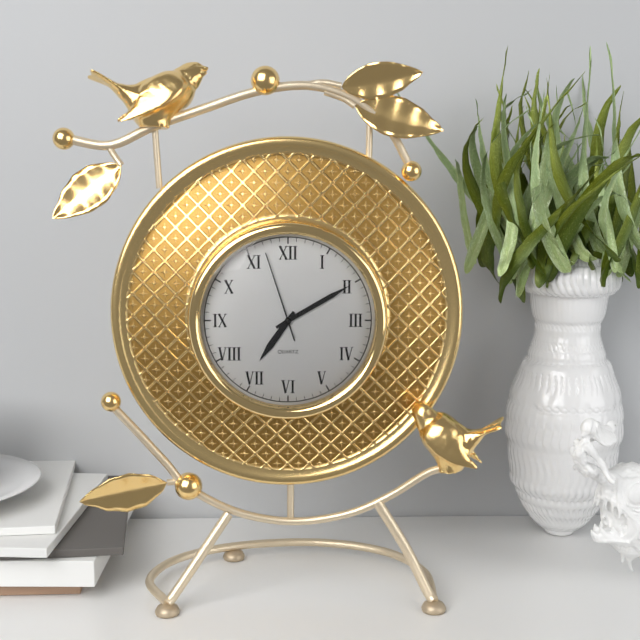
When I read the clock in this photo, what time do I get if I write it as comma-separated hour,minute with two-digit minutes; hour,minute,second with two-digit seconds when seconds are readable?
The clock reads 7,10,57
